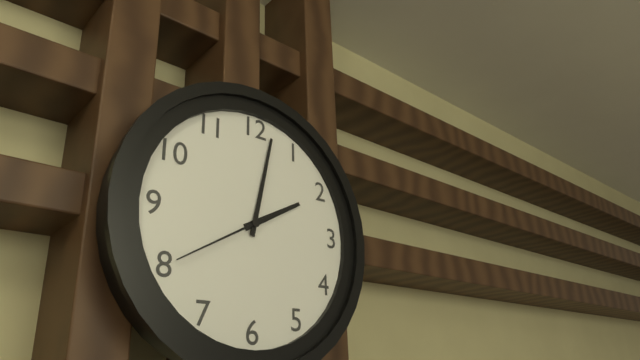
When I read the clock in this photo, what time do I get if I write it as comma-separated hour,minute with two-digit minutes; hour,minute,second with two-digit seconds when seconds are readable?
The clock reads 2,02,40
